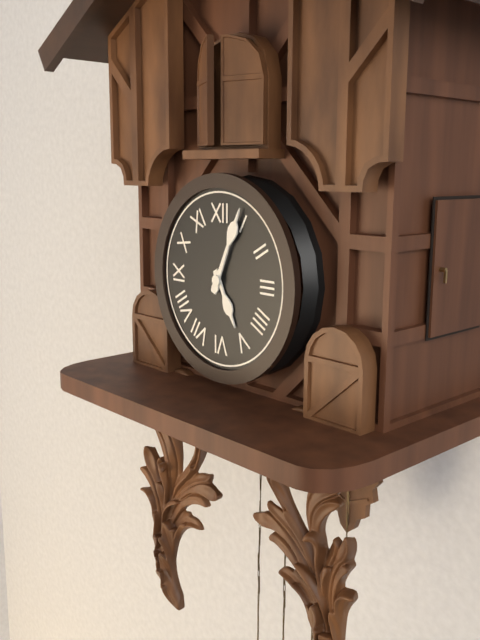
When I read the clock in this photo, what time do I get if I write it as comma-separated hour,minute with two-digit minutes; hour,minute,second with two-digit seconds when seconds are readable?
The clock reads 5,04
